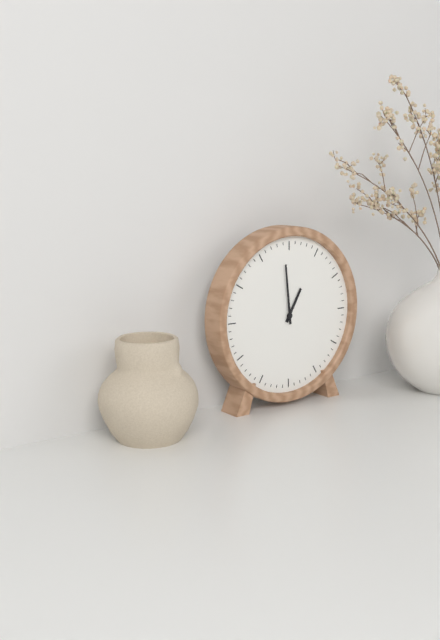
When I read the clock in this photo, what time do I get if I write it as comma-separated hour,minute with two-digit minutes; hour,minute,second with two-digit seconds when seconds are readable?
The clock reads 12,59
